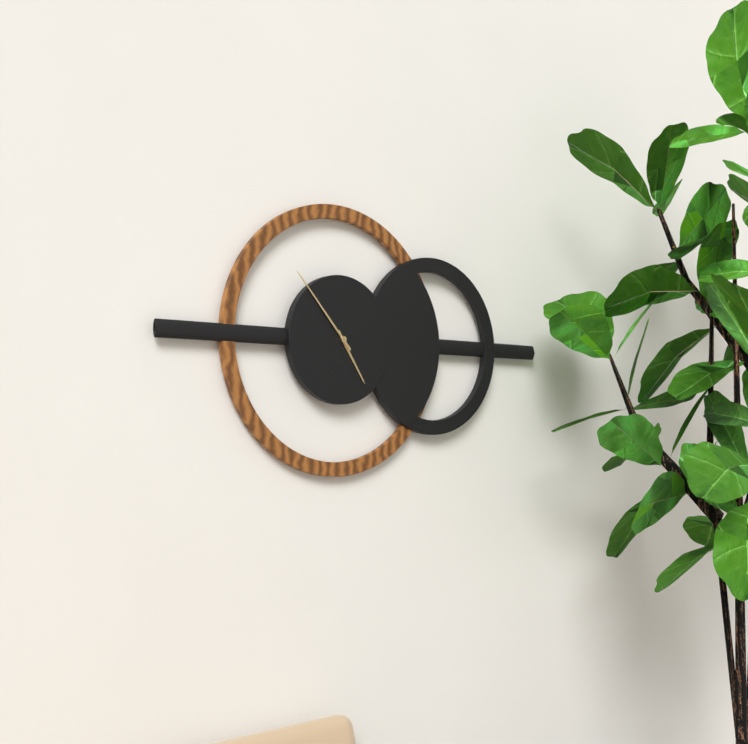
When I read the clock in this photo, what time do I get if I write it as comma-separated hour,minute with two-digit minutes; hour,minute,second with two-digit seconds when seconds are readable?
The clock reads 4,53
